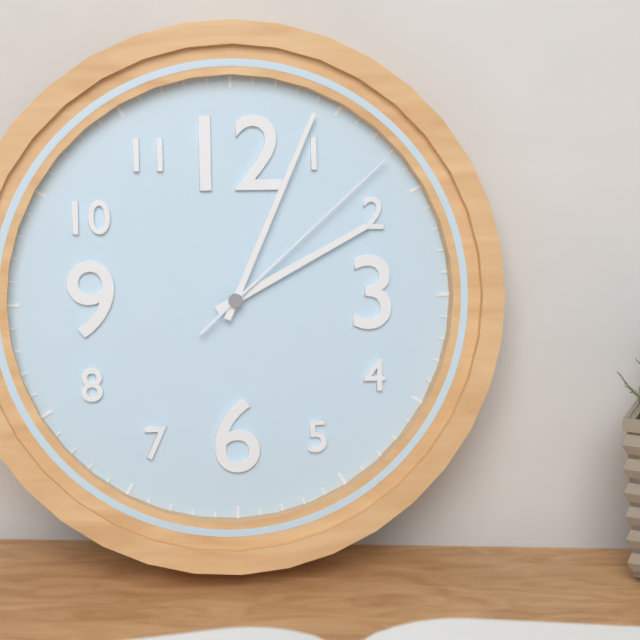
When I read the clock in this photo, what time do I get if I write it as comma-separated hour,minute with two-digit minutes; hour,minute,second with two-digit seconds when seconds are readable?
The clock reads 2,04,08
